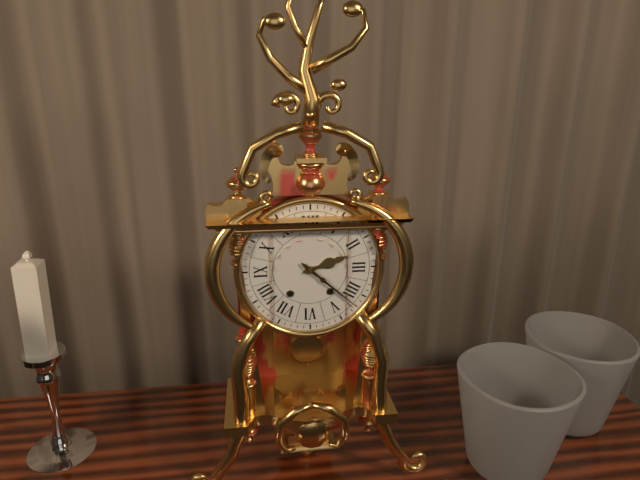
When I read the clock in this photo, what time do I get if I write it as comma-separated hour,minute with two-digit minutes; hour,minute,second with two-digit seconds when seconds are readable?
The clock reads 2,22
